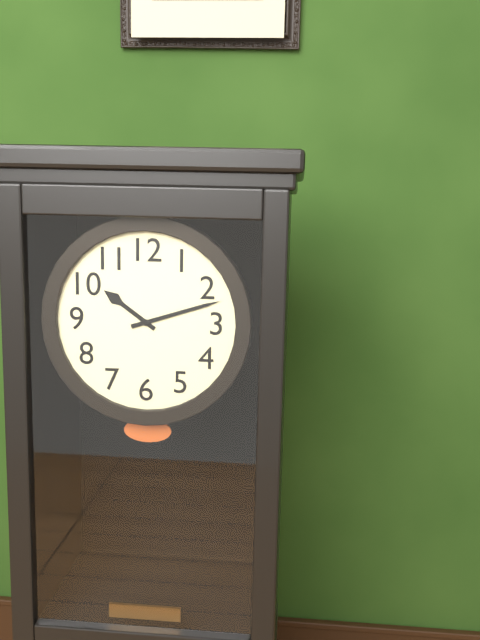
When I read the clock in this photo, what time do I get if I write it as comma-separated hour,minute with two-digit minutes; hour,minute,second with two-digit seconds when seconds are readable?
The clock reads 10,12
